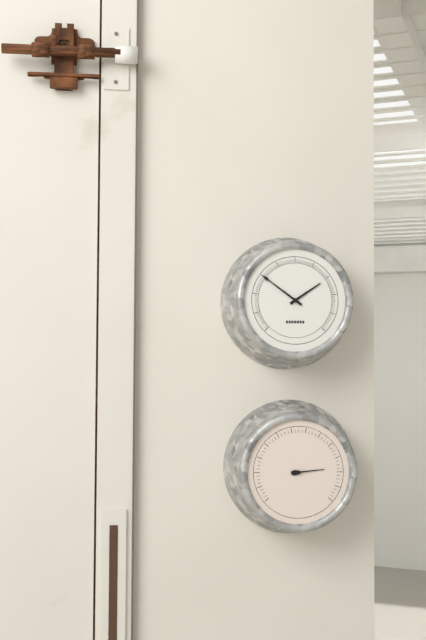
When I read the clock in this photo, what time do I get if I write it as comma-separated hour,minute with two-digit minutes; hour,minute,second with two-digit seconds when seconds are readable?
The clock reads 1,51
